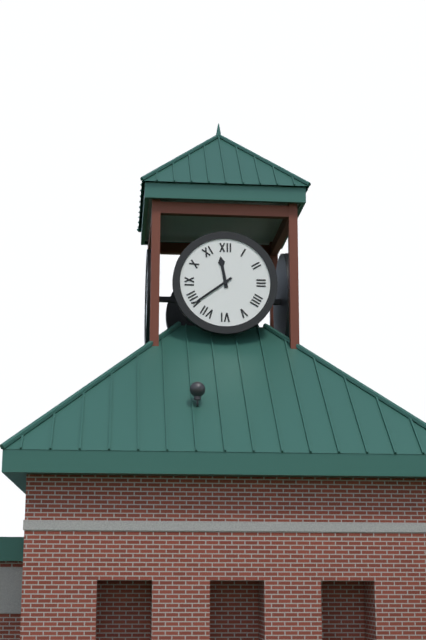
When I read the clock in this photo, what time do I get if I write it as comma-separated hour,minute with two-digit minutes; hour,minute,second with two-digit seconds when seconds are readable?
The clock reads 11,39
